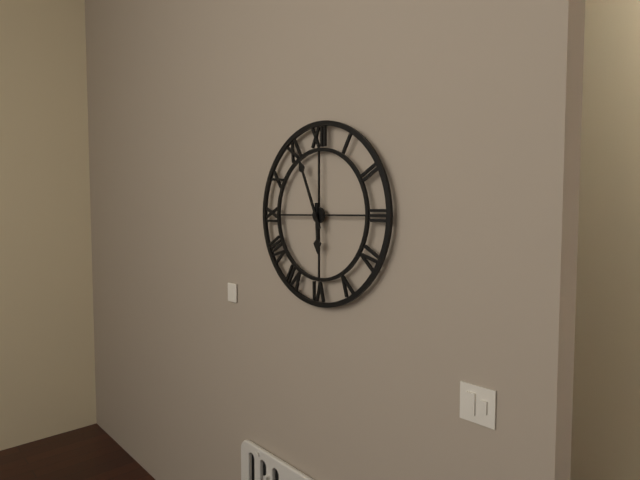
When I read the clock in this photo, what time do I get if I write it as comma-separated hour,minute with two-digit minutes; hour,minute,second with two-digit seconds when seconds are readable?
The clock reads 5,56
